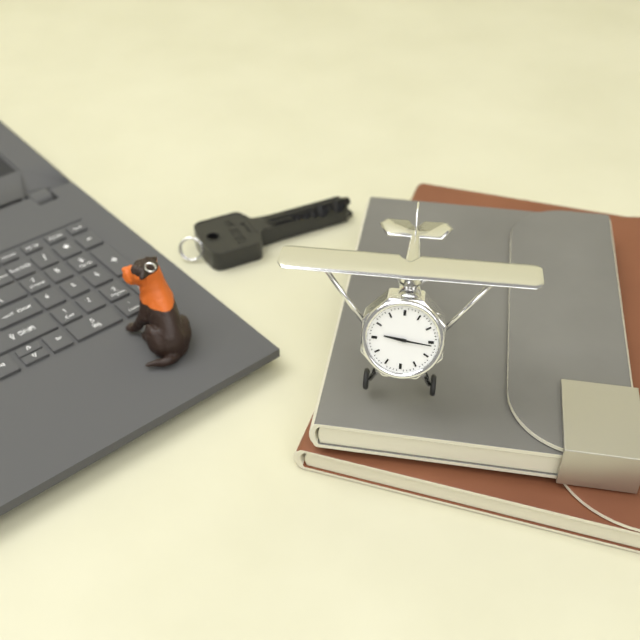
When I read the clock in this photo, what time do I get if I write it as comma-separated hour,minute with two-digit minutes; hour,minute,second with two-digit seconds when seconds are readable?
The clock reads 9,16
